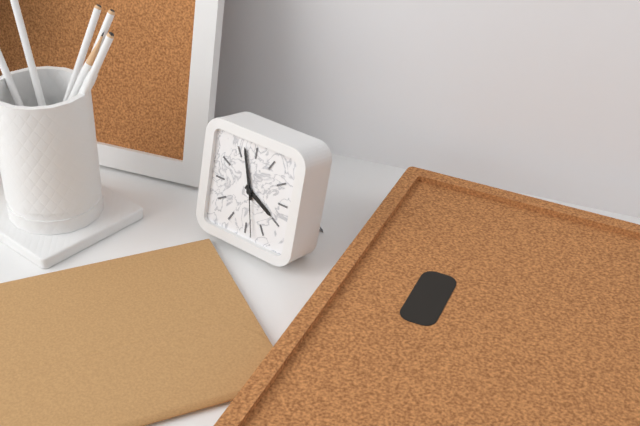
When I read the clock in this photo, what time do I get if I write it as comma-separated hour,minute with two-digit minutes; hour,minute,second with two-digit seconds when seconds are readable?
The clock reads 3,57,28
